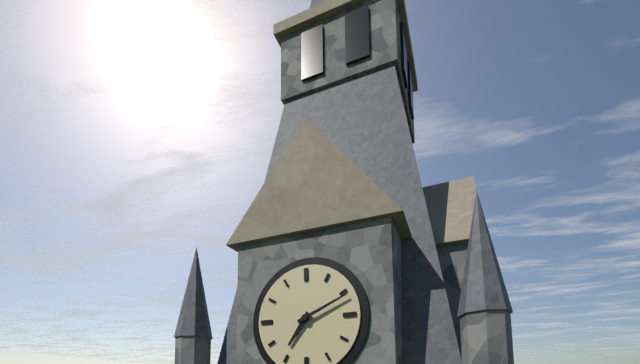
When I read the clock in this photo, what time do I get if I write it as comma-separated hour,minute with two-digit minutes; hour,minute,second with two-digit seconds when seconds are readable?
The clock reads 7,11
